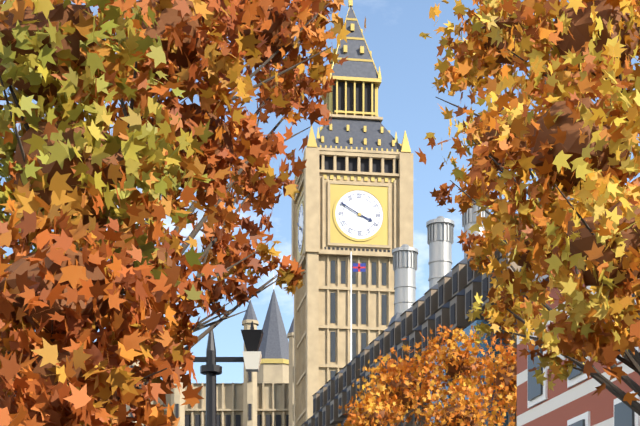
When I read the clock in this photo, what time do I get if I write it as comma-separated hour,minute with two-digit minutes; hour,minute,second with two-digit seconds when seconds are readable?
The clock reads 3,50
